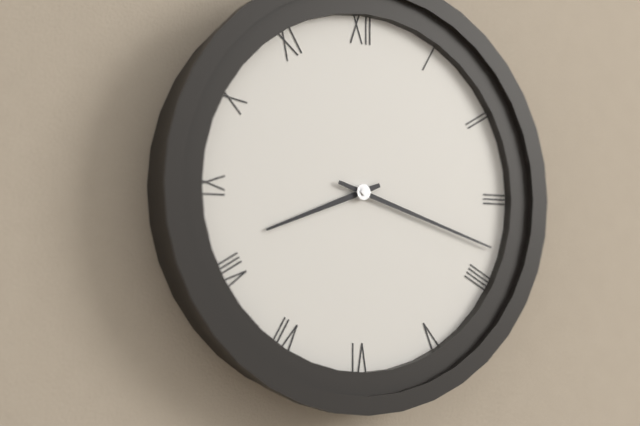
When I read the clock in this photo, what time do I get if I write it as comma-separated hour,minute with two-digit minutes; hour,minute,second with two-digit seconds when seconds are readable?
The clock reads 8,18
